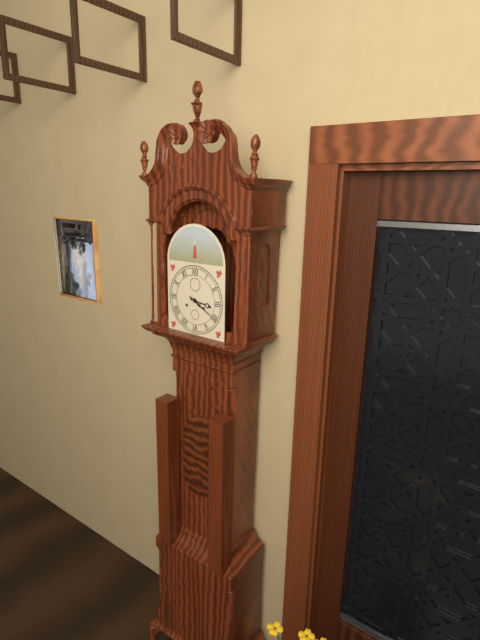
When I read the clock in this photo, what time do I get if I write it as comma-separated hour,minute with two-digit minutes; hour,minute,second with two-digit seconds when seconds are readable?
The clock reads 3,20
